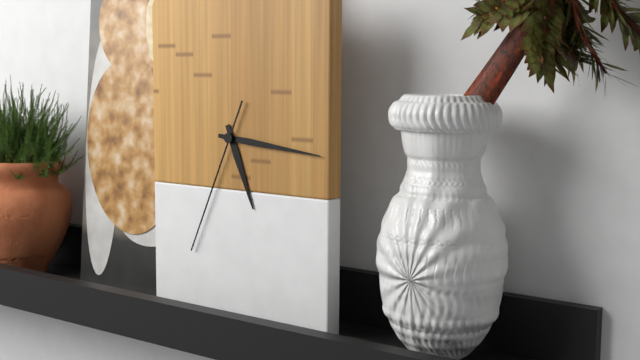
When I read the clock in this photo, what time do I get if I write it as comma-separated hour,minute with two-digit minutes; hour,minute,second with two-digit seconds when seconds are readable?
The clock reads 5,16,34
